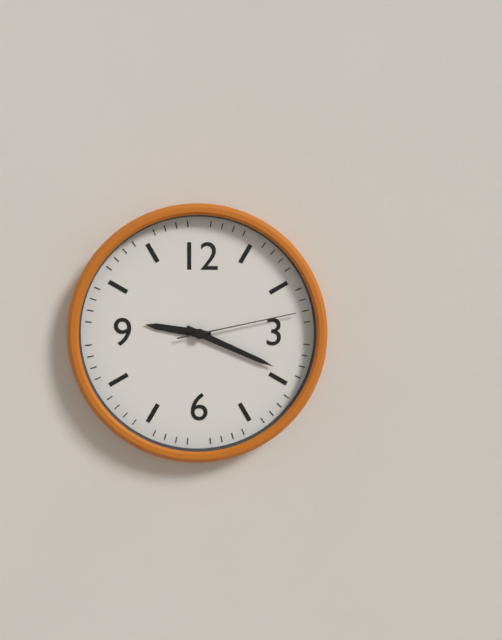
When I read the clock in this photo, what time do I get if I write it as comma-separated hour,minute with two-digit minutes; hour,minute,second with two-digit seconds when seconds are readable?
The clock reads 9,19,13
